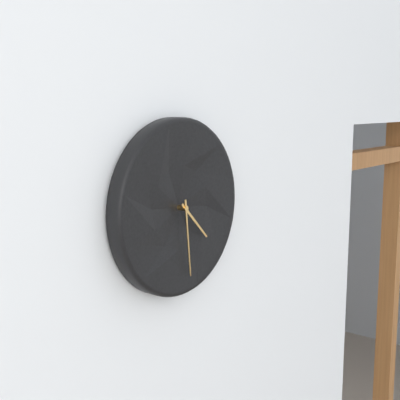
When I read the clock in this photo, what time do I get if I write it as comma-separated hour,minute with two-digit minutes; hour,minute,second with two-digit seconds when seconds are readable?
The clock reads 4,29
